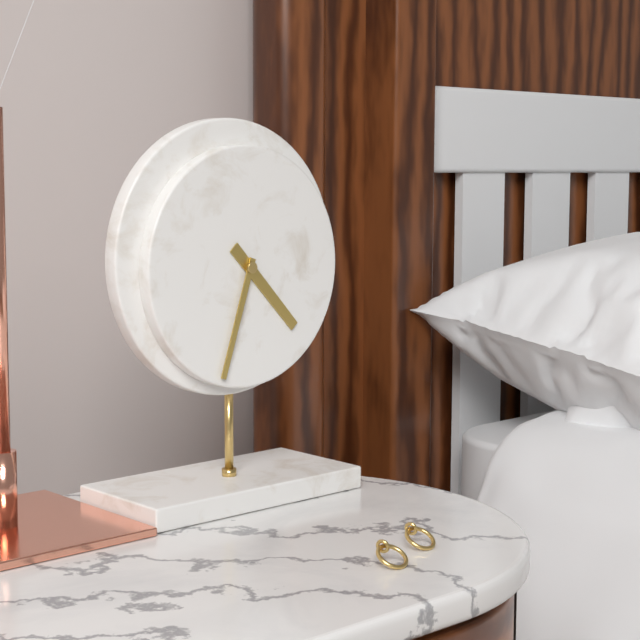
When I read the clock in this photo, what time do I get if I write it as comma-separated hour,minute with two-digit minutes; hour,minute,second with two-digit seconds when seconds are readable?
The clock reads 4,33
